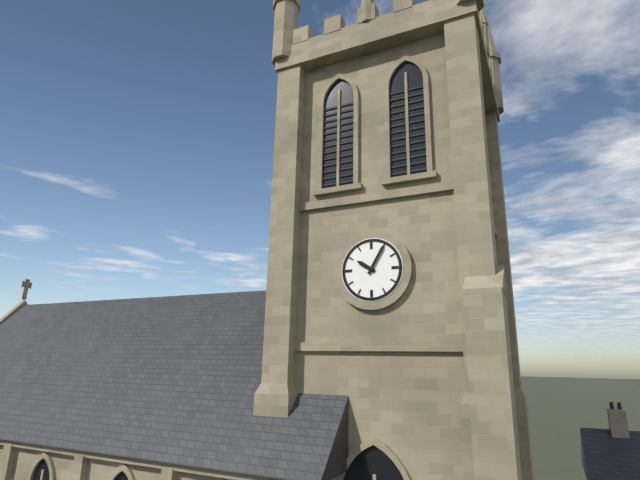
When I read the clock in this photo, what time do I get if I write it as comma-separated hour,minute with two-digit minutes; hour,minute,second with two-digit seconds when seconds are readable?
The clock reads 10,05
